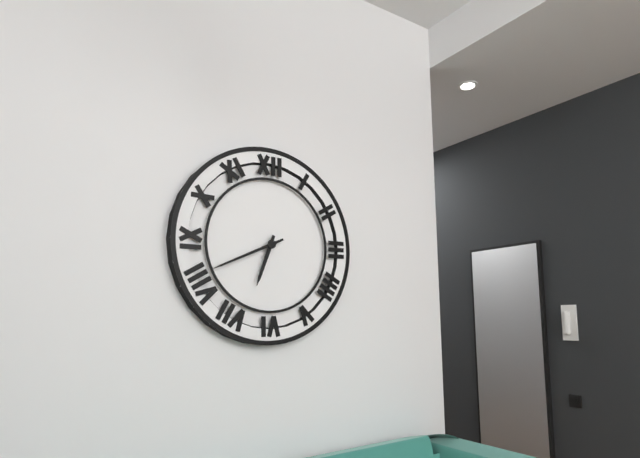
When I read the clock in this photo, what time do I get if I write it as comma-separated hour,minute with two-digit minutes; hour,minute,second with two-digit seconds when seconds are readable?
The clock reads 6,41
